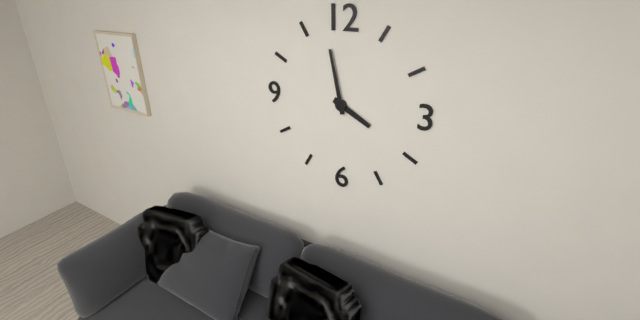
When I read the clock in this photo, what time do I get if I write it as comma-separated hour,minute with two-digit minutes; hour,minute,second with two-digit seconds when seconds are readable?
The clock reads 3,58
